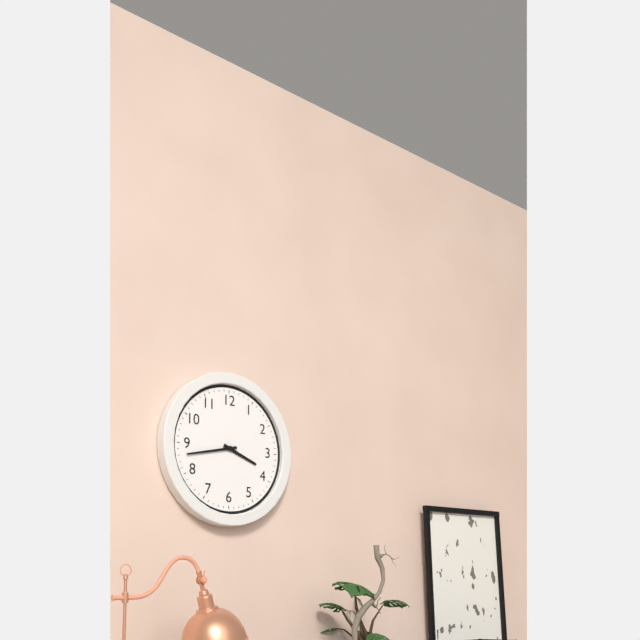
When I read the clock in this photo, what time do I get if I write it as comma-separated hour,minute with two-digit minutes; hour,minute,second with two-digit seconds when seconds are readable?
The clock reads 3,43
